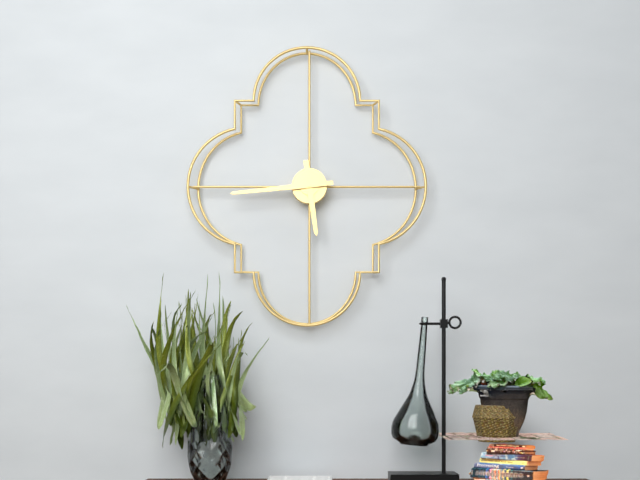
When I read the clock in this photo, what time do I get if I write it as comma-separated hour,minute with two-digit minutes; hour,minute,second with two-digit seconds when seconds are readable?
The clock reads 5,44
